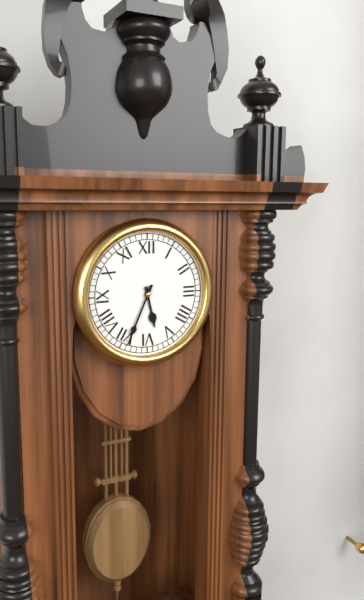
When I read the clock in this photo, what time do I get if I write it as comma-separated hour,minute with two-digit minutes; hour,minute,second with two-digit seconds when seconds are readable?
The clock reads 5,34
